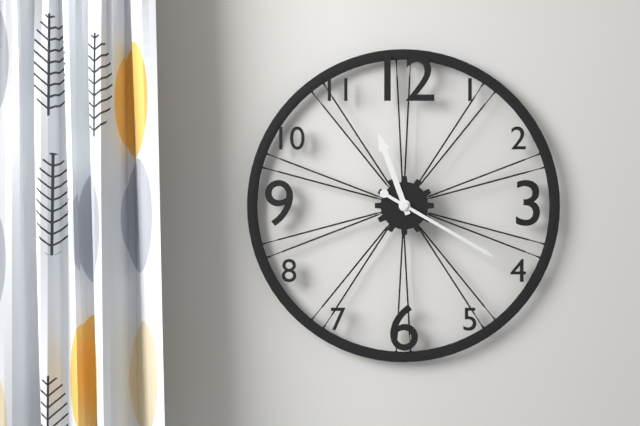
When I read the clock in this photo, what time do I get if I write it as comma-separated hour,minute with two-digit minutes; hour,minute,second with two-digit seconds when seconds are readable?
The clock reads 11,20
